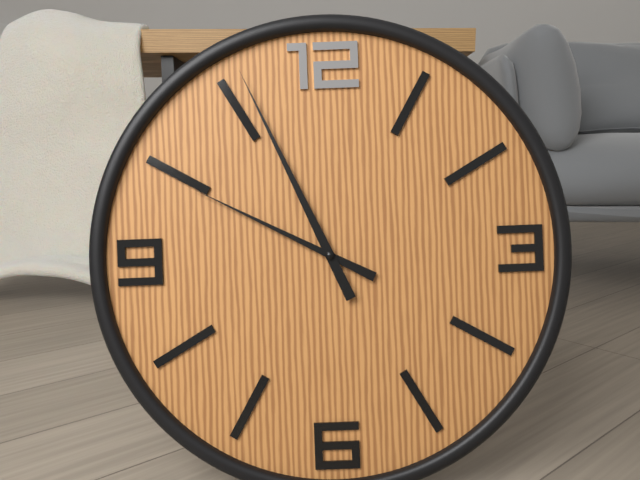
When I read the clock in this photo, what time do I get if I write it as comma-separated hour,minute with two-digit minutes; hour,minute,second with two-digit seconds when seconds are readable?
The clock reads 9,56
